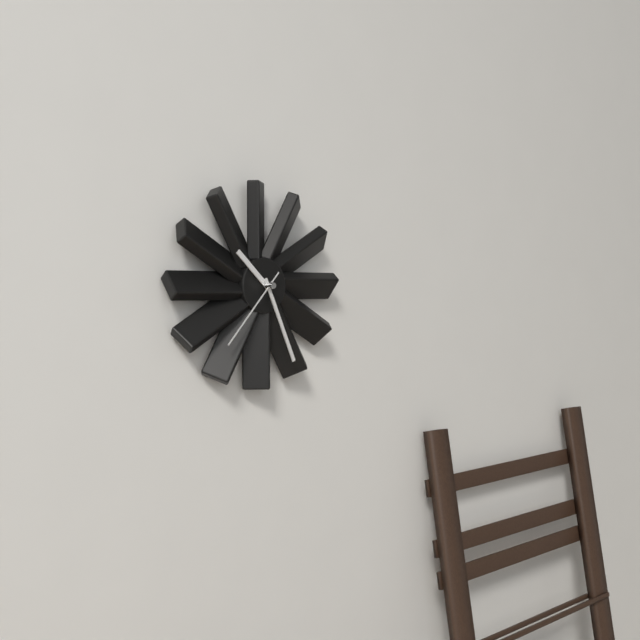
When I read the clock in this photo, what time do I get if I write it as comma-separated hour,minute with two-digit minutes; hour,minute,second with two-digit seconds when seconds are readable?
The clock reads 10,26,37
